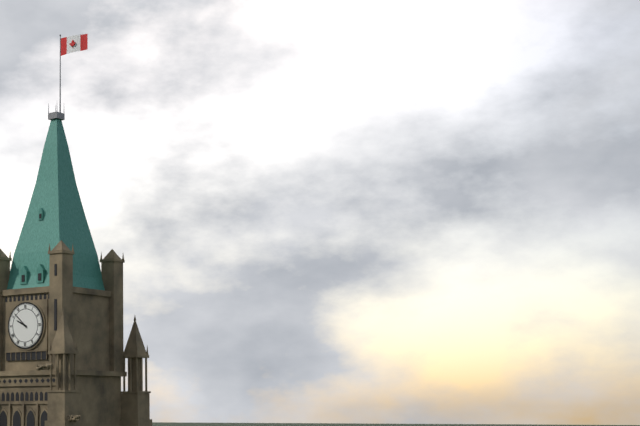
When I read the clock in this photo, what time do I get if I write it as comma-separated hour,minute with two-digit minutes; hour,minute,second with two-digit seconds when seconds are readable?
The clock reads 9,52
